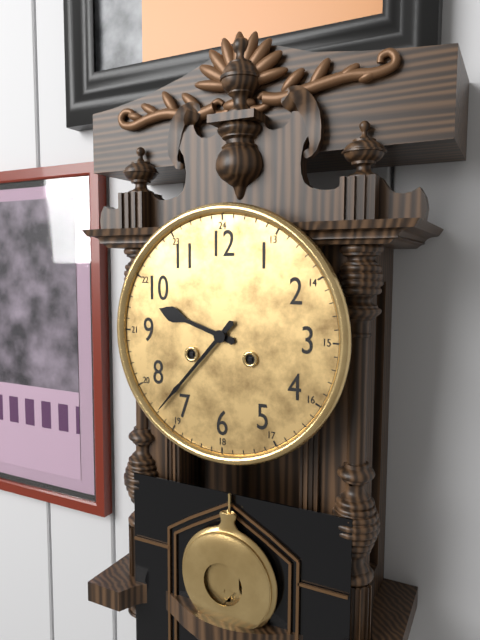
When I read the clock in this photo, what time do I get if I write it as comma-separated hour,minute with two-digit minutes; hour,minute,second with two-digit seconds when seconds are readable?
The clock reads 9,37
